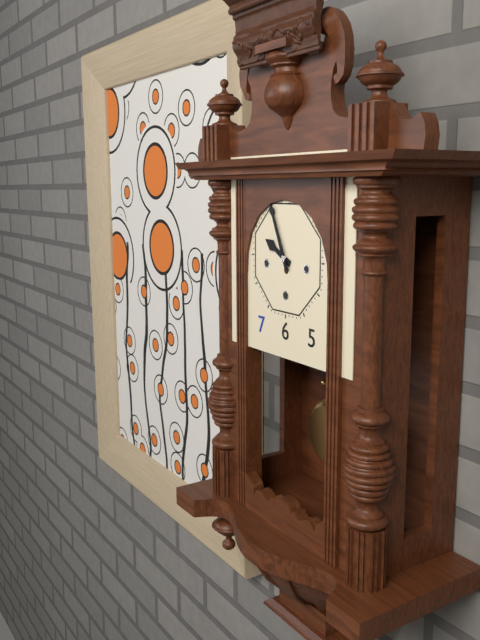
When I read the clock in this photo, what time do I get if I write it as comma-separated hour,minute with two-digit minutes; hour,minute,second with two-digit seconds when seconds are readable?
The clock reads 9,56
